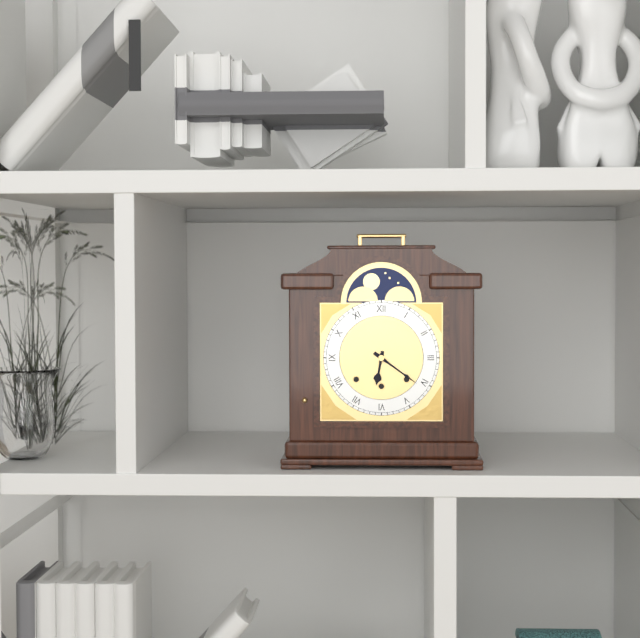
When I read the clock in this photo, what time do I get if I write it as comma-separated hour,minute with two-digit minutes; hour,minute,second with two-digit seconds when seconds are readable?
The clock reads 6,21
